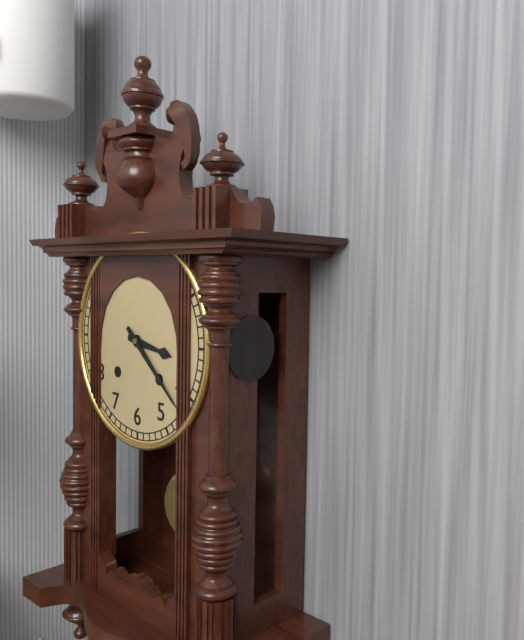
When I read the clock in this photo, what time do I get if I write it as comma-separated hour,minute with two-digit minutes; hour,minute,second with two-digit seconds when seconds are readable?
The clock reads 3,22
